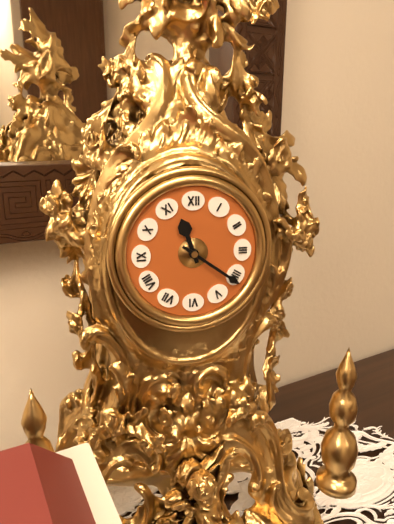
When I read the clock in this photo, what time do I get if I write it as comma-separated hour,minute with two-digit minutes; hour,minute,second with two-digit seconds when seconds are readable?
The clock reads 11,21
